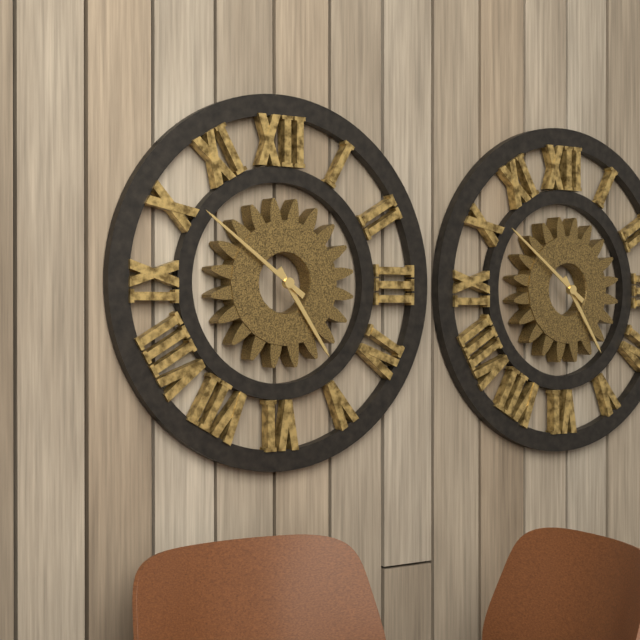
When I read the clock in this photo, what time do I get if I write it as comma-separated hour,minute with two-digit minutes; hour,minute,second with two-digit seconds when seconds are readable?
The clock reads 4,51
